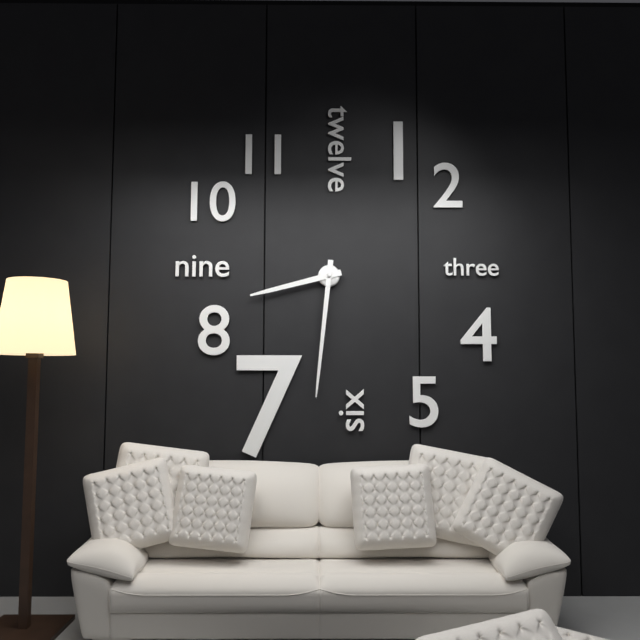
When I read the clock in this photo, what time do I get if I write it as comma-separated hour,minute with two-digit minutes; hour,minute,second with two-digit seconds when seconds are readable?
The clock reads 8,31
